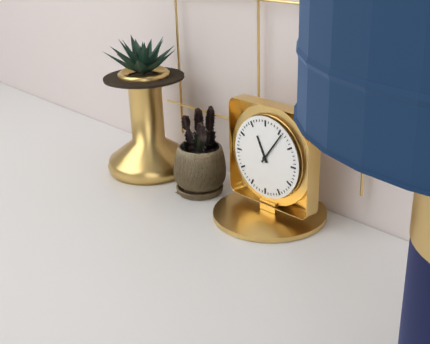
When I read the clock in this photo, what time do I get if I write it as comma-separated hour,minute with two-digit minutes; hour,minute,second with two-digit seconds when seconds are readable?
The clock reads 11,06
